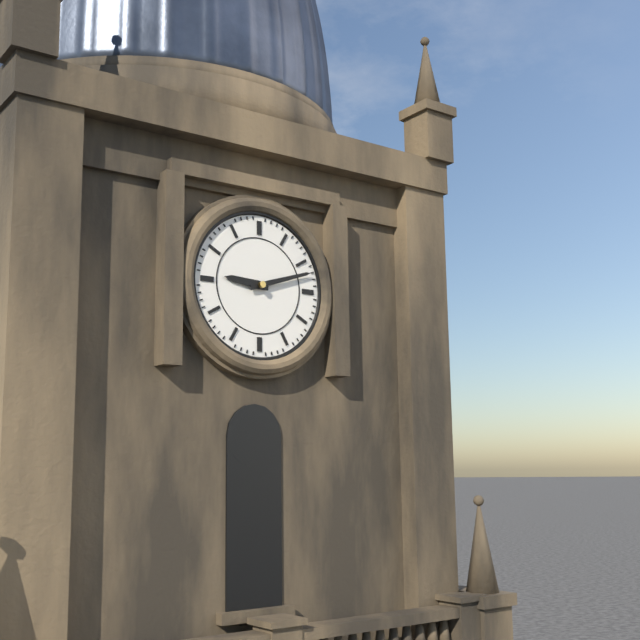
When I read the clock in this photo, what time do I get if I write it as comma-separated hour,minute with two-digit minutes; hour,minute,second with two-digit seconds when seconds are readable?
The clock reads 9,12
